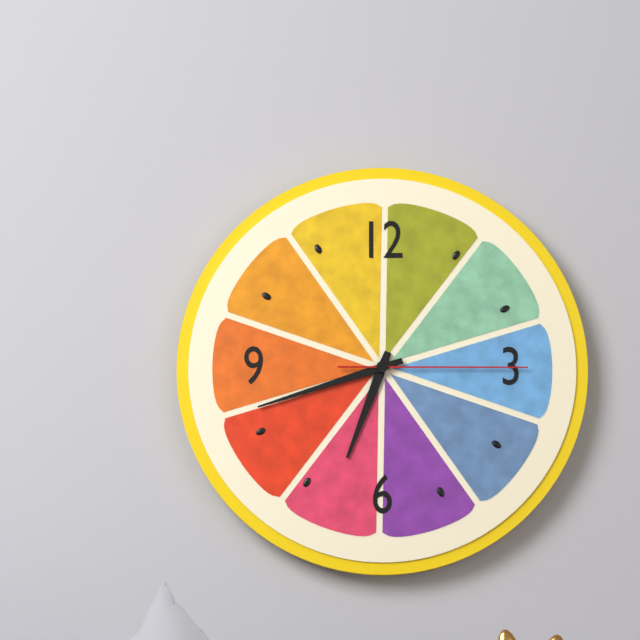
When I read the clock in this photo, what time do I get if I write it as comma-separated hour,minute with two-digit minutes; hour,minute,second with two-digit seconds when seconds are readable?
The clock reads 6,42,15
